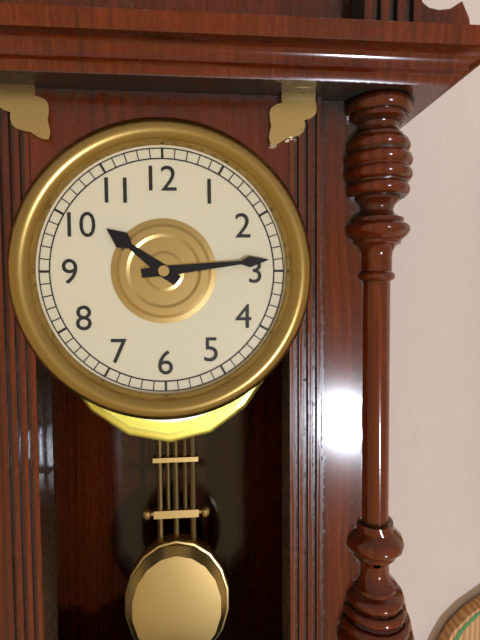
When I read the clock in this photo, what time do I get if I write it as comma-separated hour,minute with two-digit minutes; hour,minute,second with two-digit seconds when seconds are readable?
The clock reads 10,14
